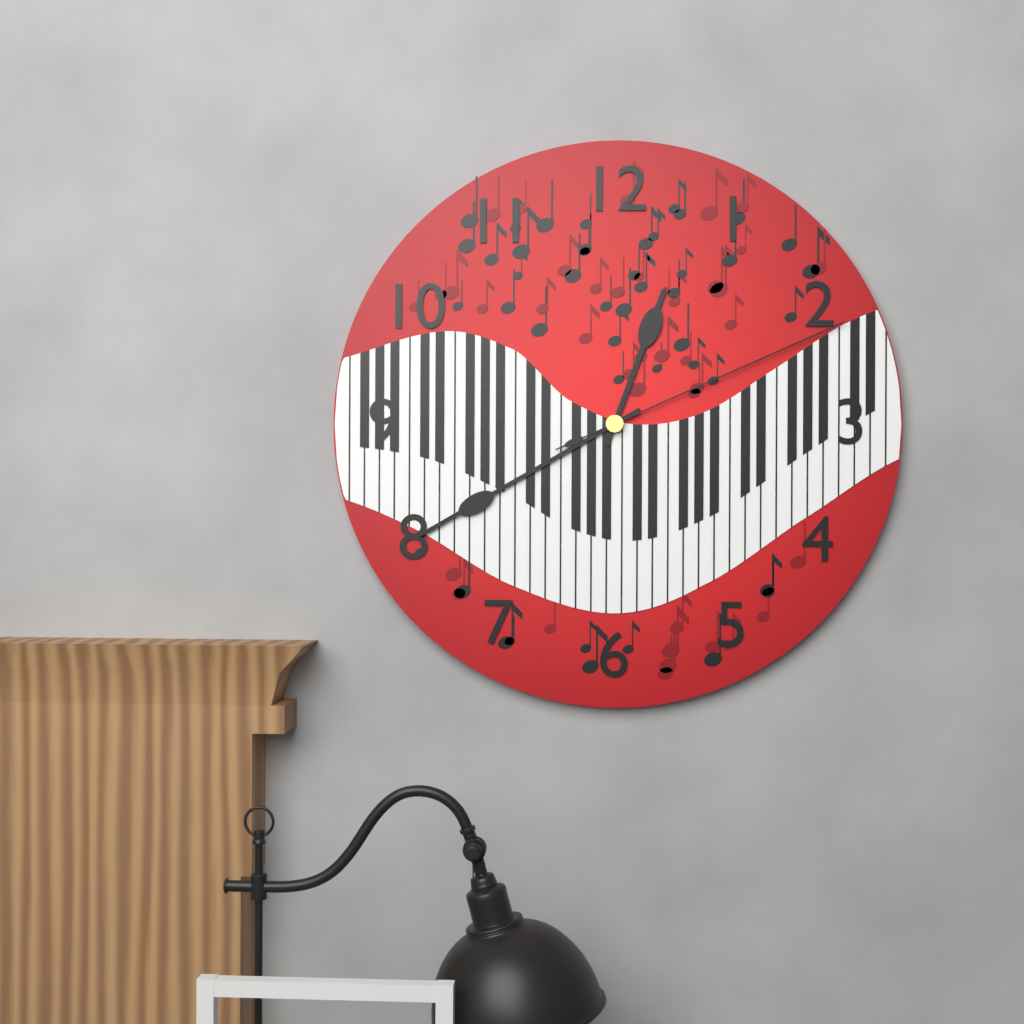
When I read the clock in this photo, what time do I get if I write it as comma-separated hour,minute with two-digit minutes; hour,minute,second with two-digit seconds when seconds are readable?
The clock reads 12,40,11
